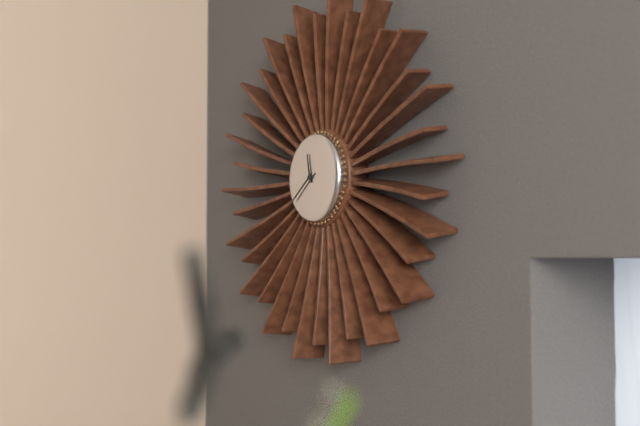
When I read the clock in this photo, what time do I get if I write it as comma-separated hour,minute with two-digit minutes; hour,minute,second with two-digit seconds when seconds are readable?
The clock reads 11,39
